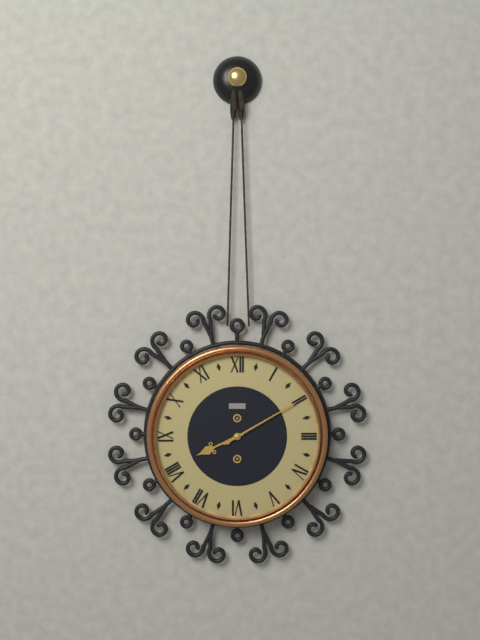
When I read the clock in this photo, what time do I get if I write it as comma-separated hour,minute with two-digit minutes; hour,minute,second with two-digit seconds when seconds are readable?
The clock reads 8,10
